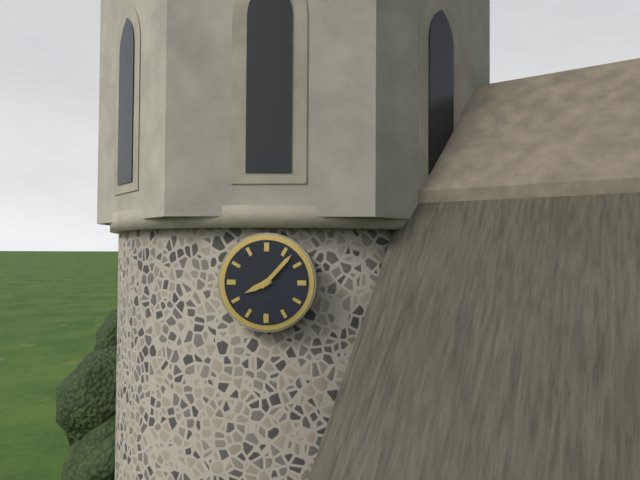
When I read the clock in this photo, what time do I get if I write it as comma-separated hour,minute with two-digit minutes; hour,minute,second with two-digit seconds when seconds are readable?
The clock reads 8,07
